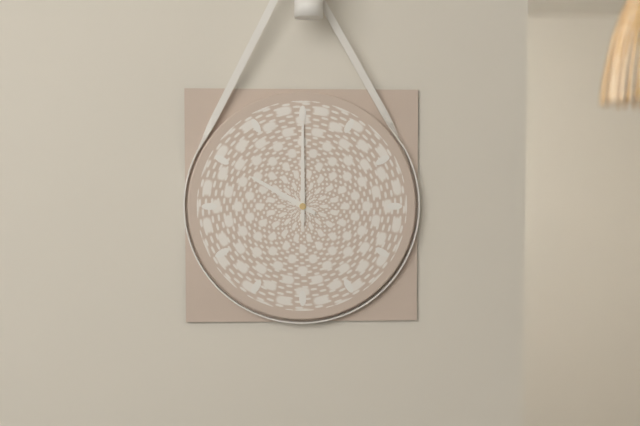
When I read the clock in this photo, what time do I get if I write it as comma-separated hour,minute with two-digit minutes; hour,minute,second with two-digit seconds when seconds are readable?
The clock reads 10,00
